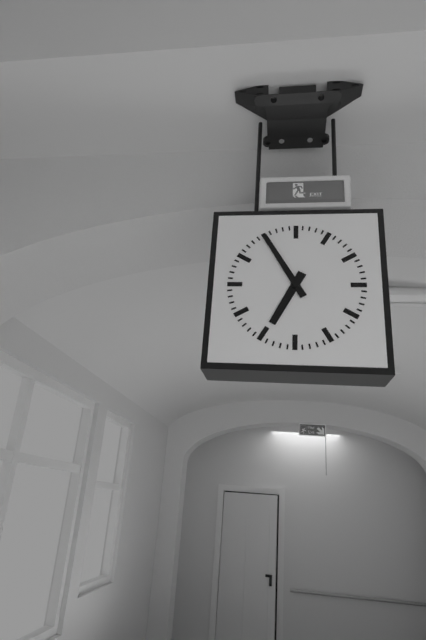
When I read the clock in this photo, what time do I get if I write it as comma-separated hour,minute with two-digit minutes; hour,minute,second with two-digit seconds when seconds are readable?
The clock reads 6,55
